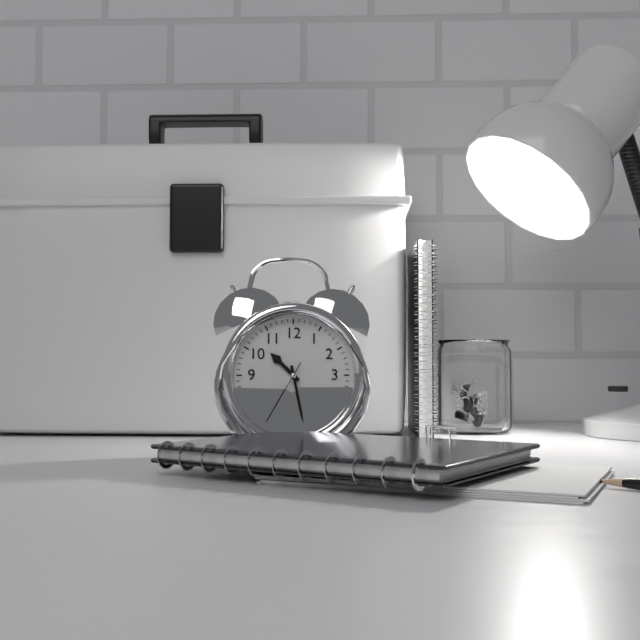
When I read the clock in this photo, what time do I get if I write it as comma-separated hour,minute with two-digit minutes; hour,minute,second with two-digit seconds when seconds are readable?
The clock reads 10,28,35
